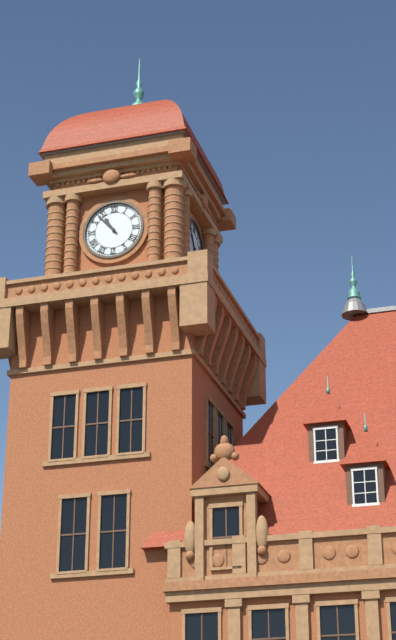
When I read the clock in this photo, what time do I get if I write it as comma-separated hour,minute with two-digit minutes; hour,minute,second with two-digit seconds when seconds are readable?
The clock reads 10,53
